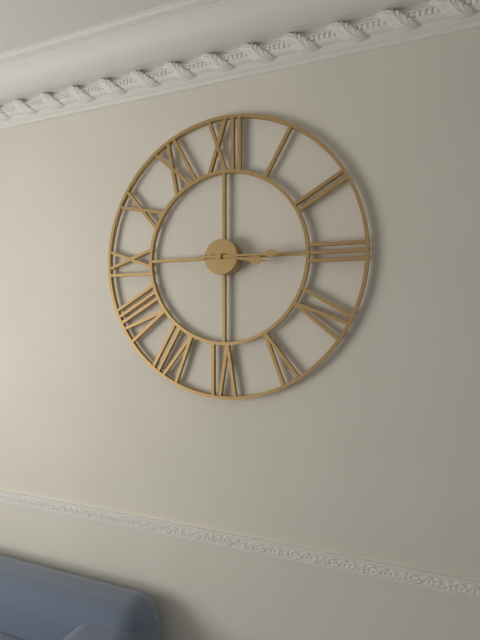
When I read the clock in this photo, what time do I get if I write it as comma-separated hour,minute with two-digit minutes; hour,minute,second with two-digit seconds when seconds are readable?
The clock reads 3,15
